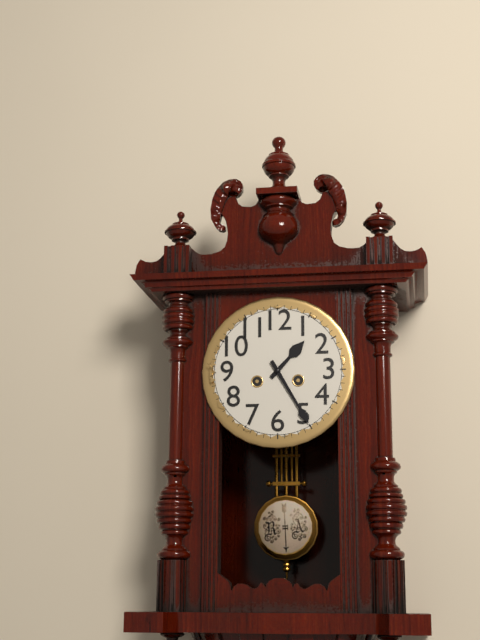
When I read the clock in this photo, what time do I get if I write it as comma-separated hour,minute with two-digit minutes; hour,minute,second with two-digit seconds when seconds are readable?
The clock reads 1,25
